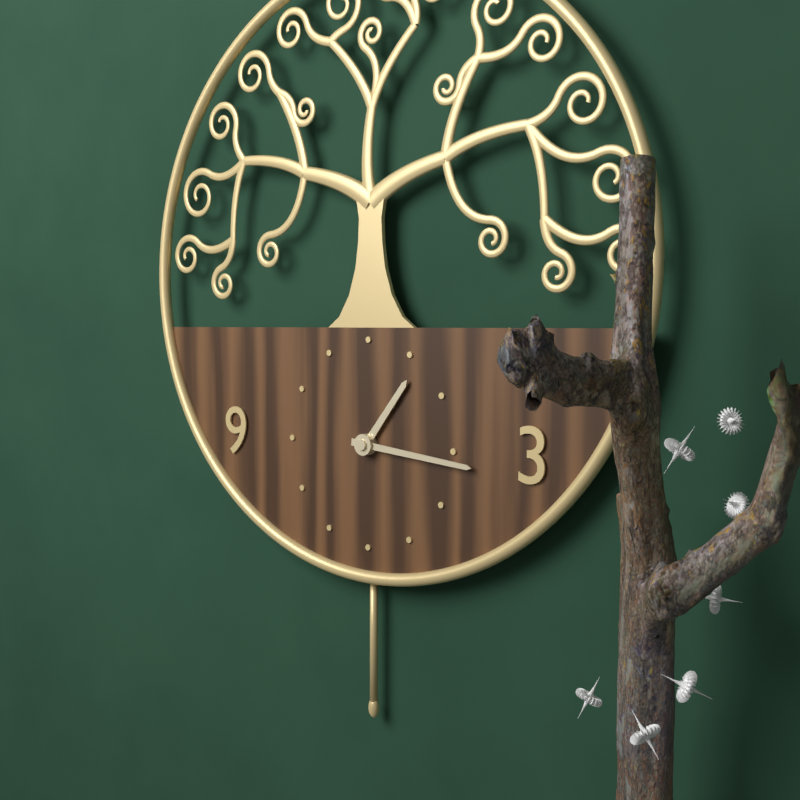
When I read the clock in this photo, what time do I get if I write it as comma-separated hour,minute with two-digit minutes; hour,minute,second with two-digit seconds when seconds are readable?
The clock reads 1,16
